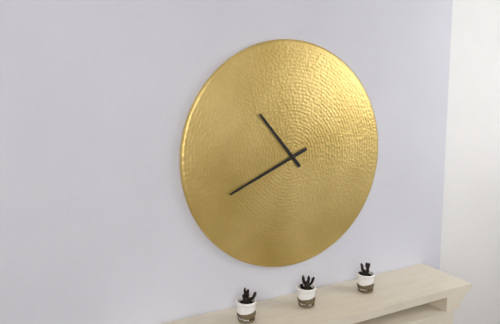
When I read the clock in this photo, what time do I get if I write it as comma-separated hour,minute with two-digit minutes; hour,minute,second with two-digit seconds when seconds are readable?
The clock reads 10,41
